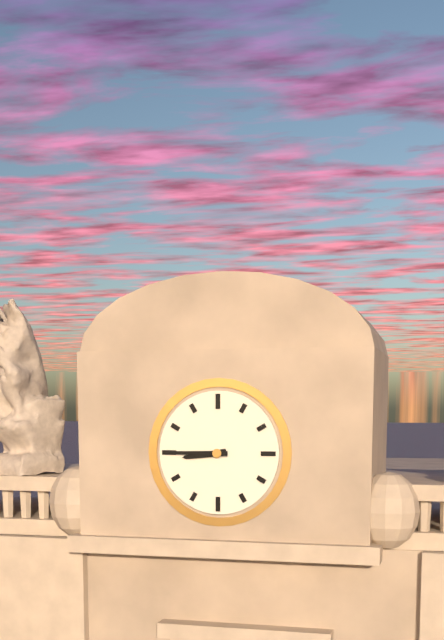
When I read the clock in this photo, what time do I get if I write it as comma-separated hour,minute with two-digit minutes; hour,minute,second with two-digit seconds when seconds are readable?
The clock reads 8,45
